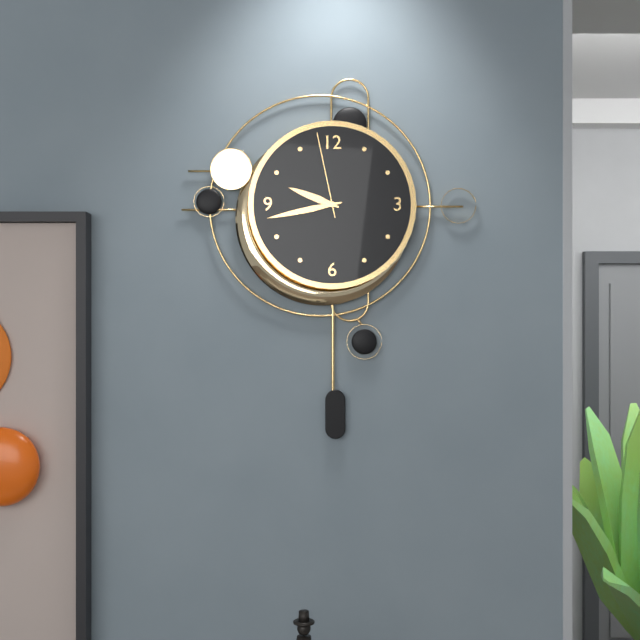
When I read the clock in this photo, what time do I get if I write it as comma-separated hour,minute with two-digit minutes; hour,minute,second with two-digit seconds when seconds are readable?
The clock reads 9,43,58
